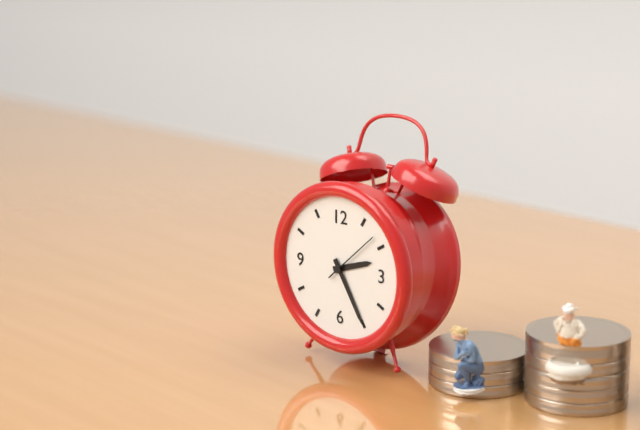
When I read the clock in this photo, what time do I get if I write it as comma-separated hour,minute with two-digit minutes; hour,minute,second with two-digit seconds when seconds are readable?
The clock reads 2,25,08
